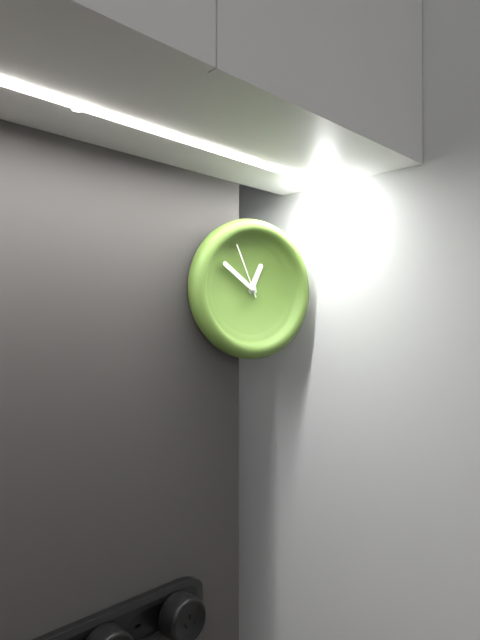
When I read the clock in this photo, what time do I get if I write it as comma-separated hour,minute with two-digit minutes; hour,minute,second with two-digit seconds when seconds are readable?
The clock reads 12,51,56
